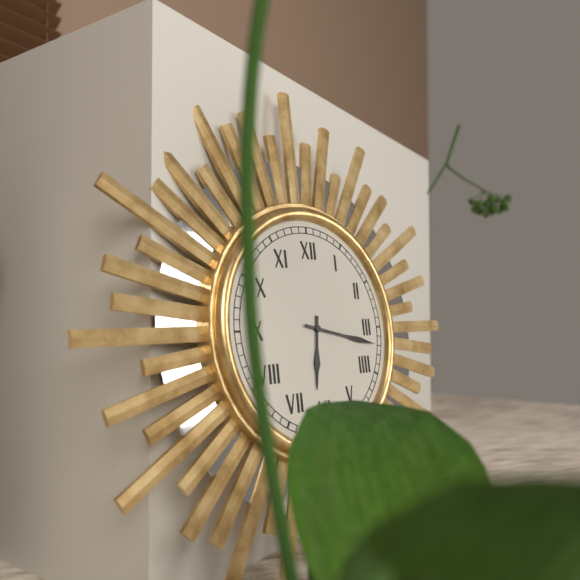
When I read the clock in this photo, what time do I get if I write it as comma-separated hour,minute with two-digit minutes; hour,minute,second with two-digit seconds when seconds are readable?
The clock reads 6,17
